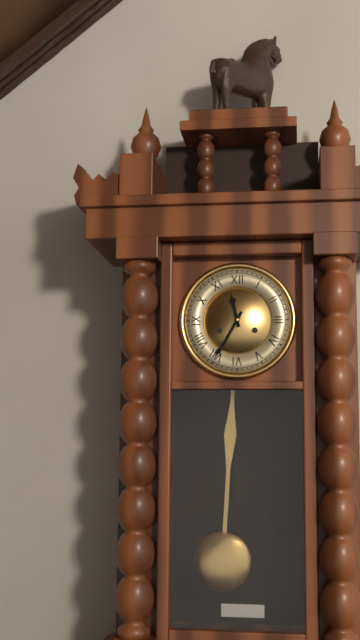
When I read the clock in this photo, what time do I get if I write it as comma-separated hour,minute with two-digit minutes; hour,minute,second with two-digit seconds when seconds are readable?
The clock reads 11,35
